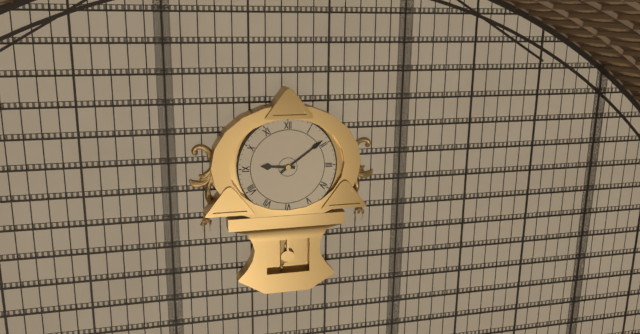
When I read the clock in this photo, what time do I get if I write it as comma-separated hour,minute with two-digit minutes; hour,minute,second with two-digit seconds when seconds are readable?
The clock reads 9,09
